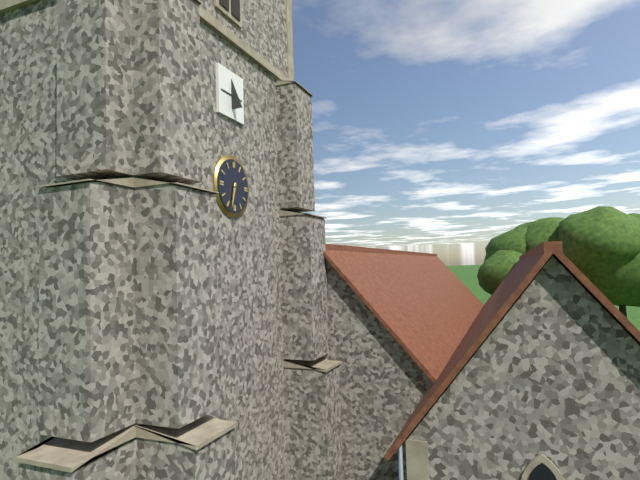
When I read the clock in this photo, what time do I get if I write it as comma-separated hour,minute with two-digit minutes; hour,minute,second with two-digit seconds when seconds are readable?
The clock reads 6,33
